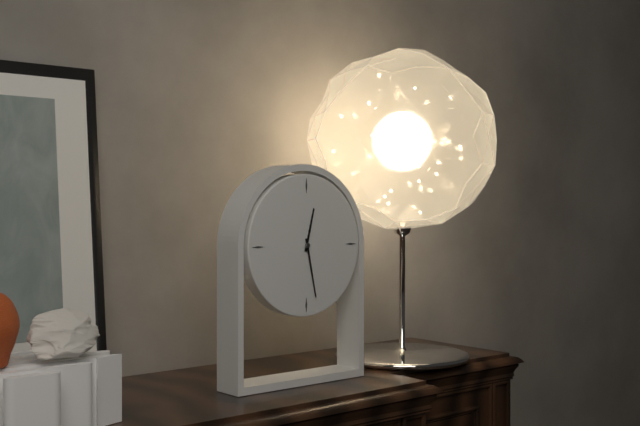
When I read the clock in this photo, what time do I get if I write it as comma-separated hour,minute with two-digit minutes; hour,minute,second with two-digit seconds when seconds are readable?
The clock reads 12,28
